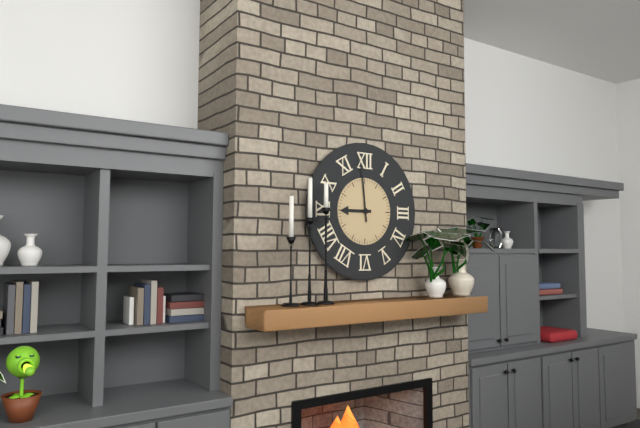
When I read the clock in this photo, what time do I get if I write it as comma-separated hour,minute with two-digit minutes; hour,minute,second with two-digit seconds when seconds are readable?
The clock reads 8,59
